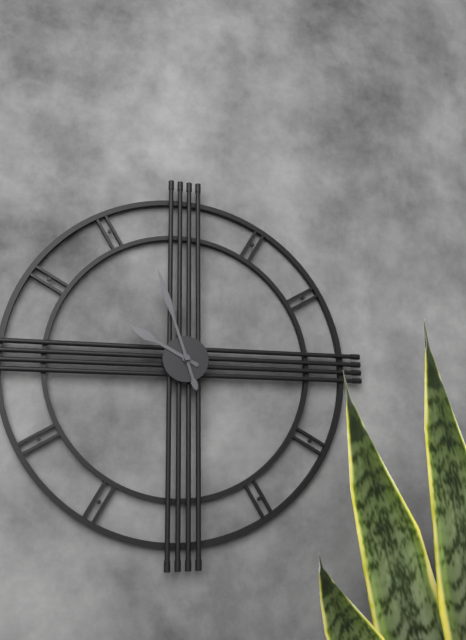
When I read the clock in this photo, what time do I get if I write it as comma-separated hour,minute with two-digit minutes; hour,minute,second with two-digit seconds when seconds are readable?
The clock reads 9,57
